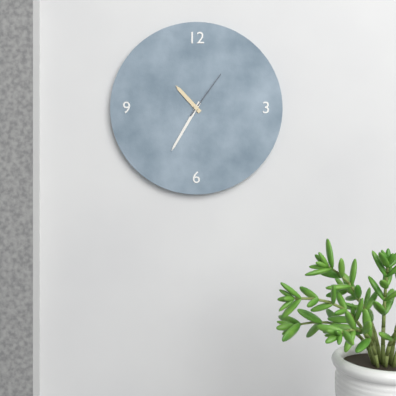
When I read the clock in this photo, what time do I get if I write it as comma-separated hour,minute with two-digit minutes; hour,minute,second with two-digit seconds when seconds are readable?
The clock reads 10,35,06
